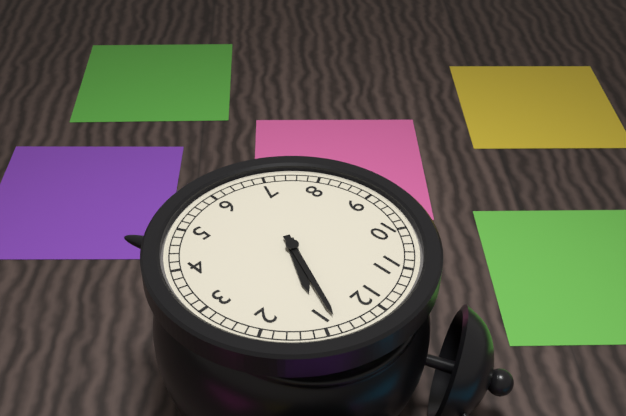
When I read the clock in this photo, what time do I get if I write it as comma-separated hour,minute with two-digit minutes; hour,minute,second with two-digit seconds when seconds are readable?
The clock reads 1,04
